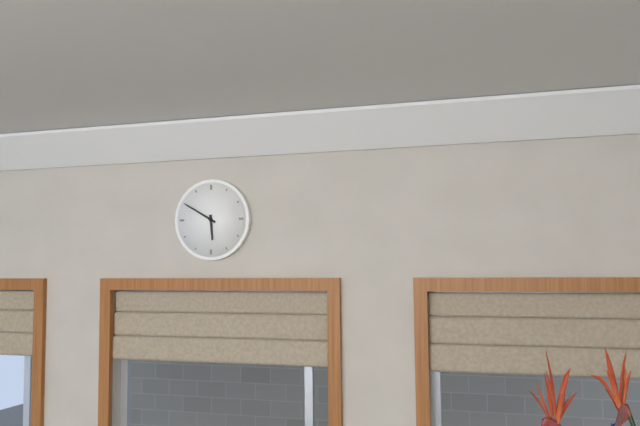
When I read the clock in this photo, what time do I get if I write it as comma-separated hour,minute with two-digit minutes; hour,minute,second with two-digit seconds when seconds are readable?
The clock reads 5,50
